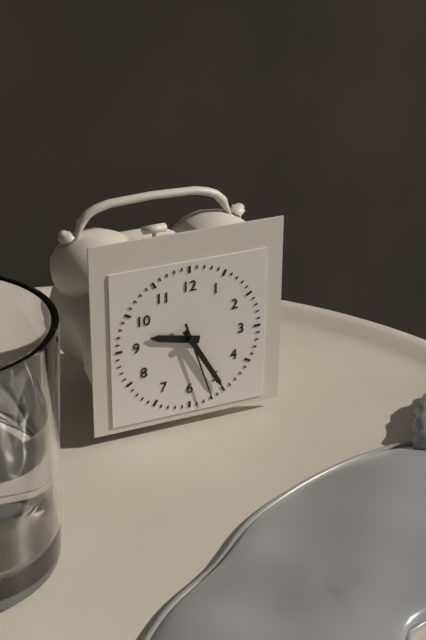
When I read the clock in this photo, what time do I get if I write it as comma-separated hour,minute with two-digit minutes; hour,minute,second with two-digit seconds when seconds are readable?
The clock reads 9,25,27
